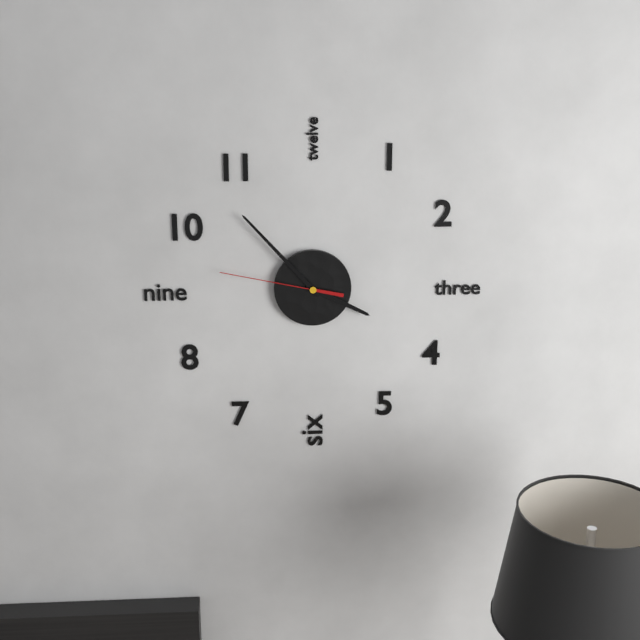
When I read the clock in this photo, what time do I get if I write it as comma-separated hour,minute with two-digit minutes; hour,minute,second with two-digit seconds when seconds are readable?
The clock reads 3,53,47
